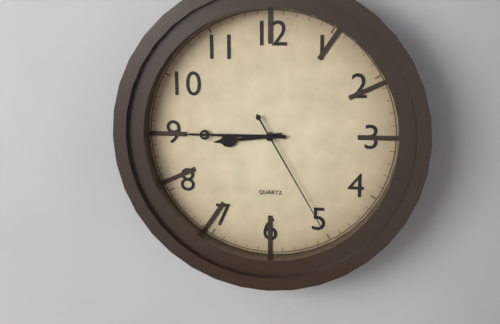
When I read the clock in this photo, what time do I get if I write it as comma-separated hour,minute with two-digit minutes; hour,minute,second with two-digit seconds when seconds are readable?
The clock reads 8,45,25
